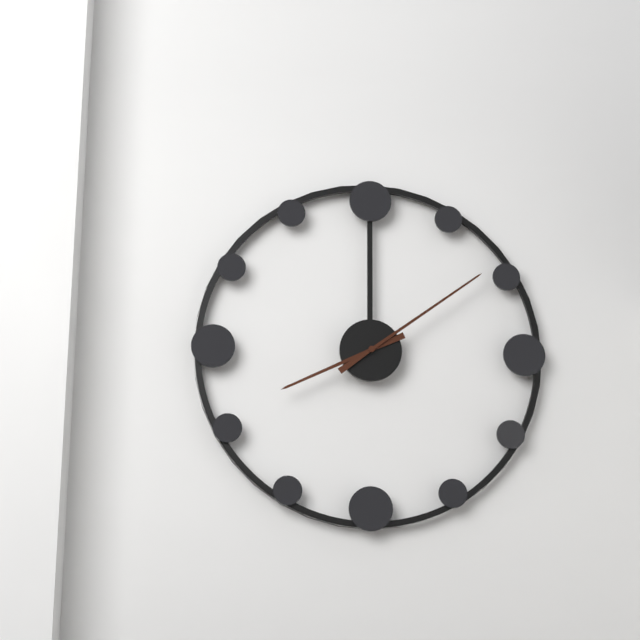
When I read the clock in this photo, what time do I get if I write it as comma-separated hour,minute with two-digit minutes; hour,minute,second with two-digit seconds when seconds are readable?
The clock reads 8,09
